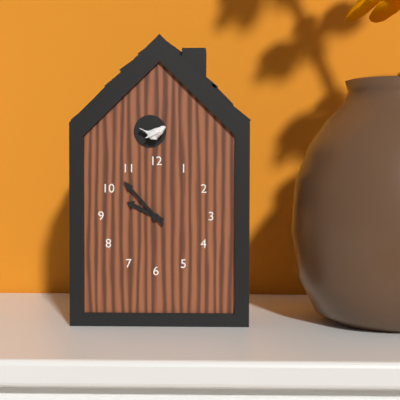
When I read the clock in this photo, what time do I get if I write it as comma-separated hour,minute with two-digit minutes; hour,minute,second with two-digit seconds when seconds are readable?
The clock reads 9,53
